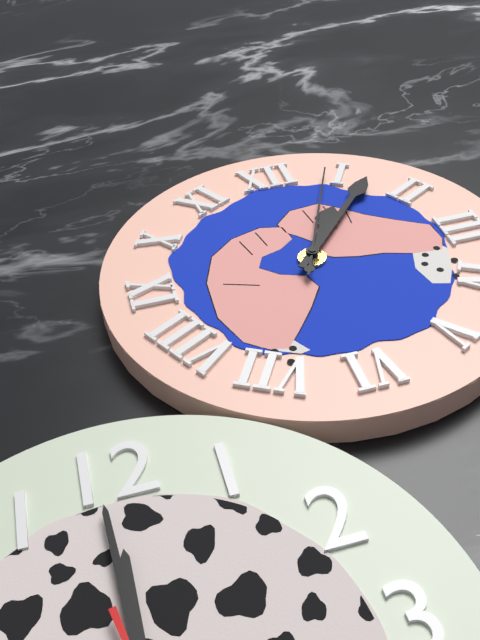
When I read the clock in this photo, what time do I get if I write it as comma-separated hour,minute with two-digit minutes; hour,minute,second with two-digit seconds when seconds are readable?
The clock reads 1,07,04
